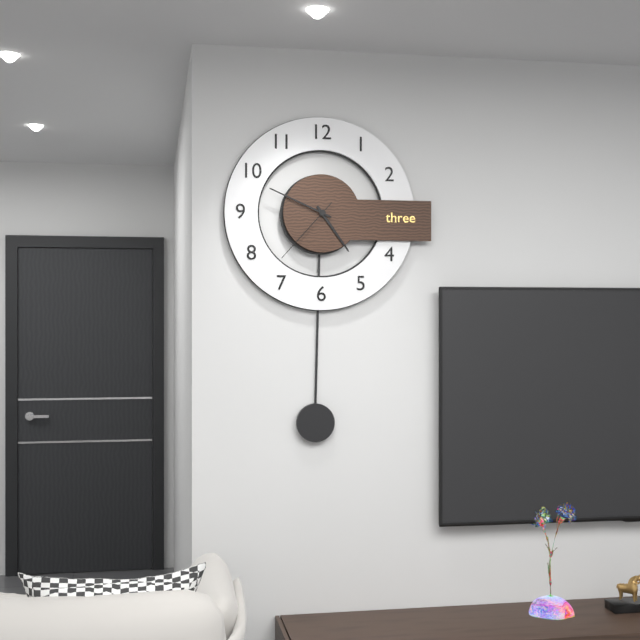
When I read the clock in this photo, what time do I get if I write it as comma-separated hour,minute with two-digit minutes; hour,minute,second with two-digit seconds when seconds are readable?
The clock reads 4,49,37
